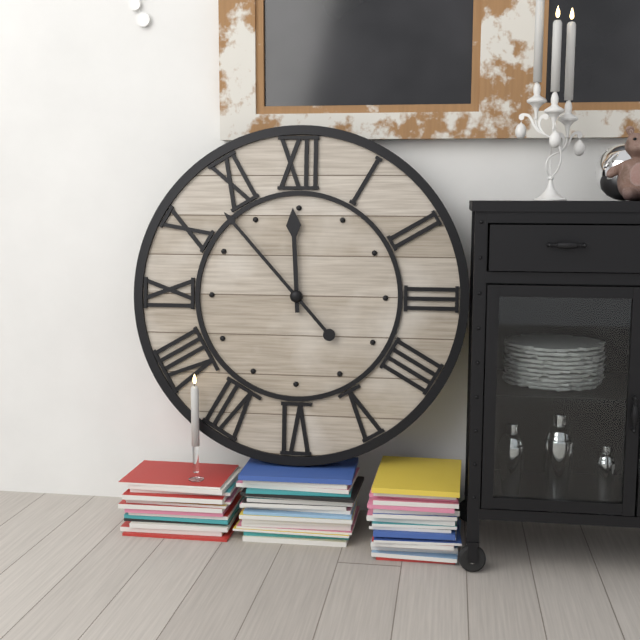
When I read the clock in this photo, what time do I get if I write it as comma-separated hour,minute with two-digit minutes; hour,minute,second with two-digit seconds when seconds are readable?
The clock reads 11,53
